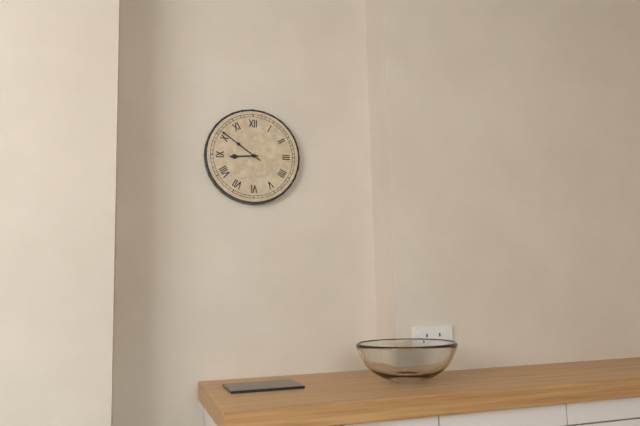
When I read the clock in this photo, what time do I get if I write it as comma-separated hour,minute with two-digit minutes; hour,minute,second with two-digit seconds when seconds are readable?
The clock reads 8,51
